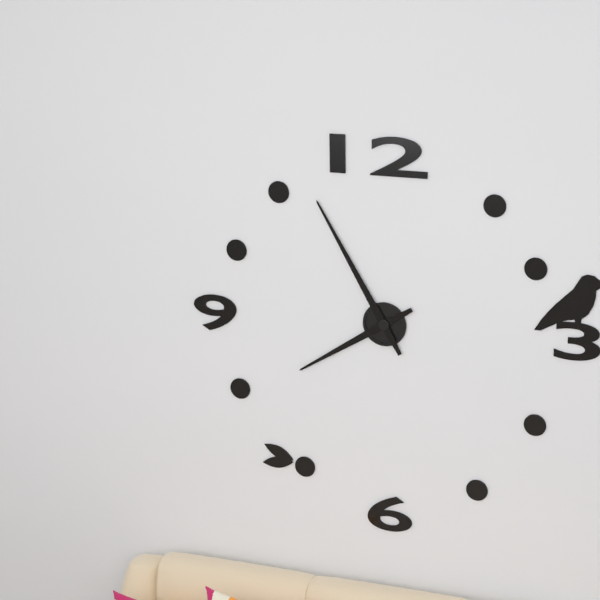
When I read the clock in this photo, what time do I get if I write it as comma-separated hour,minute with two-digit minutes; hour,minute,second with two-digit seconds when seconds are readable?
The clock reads 7,55
